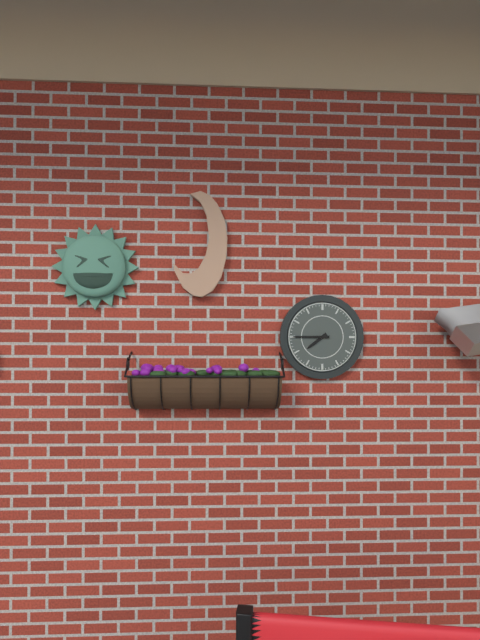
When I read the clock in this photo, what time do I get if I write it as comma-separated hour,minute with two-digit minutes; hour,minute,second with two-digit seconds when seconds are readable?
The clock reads 7,45
